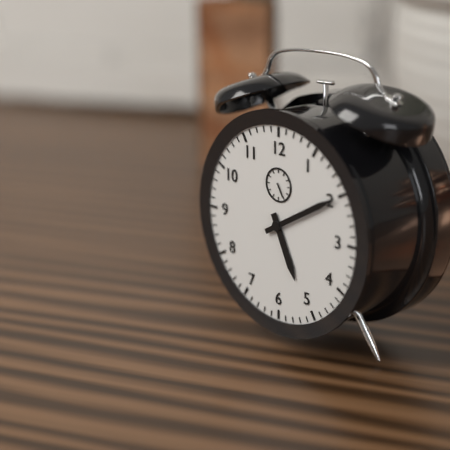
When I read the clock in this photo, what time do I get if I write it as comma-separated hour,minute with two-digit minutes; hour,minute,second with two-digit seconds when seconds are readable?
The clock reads 5,10
